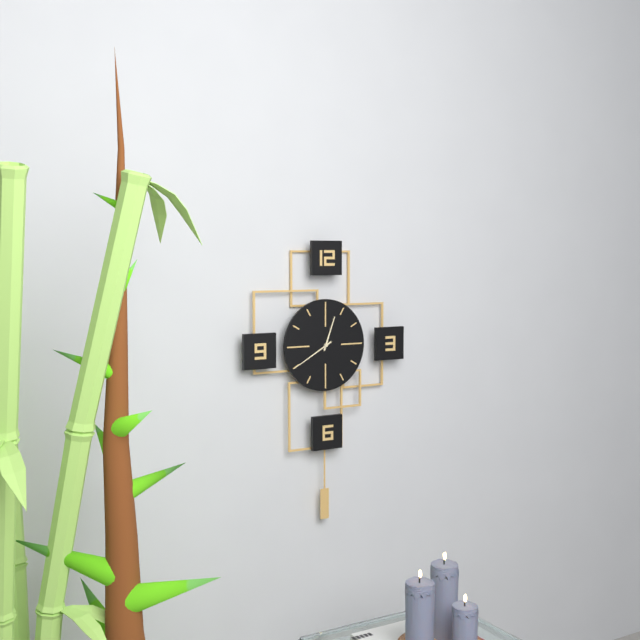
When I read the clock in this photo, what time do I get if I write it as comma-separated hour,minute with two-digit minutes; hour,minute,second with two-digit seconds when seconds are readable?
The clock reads 12,40
